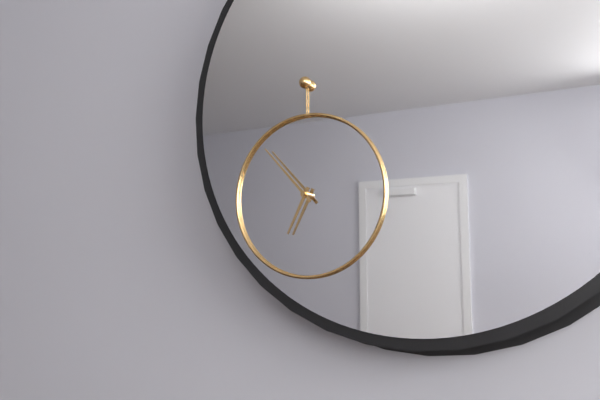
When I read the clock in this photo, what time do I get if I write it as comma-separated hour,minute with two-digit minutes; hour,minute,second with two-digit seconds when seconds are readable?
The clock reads 6,53
